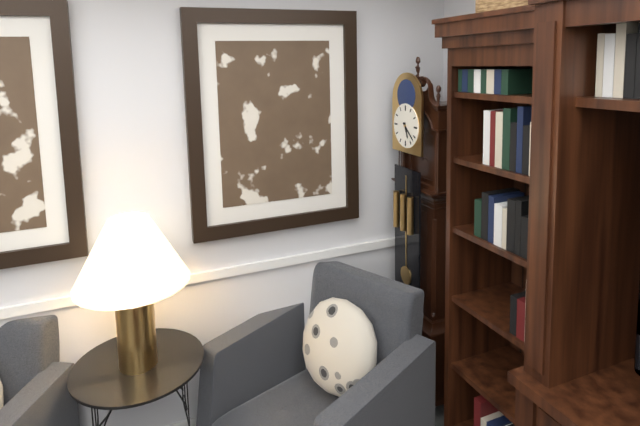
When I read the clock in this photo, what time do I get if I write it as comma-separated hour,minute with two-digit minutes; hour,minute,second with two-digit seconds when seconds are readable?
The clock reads 5,22
